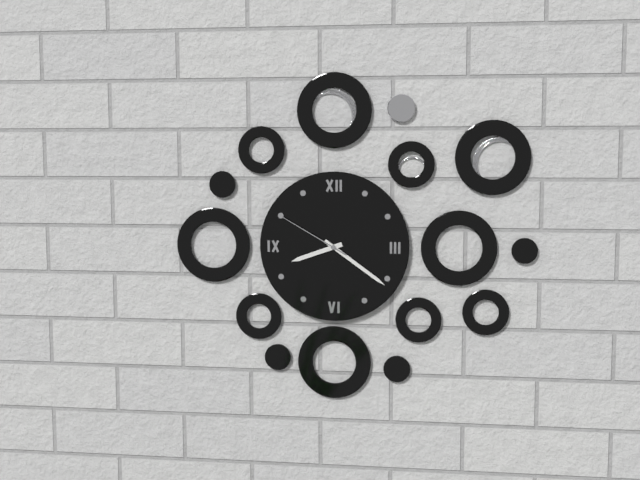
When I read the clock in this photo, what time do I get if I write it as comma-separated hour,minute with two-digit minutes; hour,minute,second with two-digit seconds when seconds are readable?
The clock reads 8,21,50
